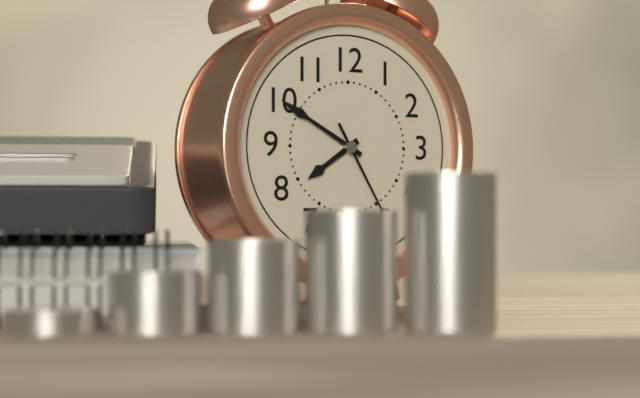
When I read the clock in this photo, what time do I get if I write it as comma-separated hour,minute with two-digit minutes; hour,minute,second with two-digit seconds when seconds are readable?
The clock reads 7,50,25
